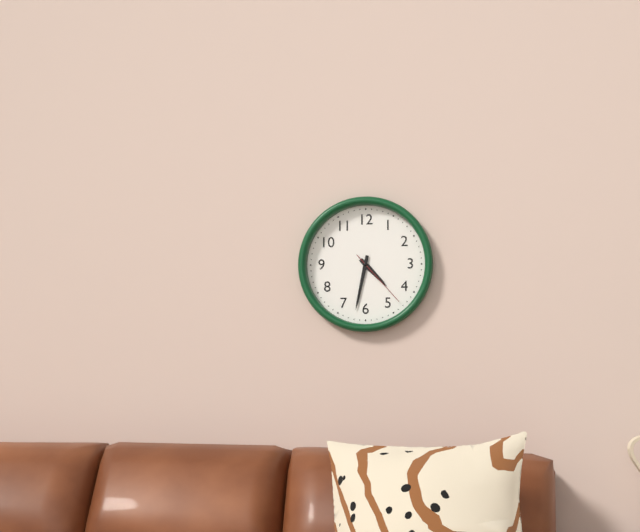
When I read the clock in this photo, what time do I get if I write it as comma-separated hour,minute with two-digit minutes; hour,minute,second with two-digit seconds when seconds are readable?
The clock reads 4,32,23
